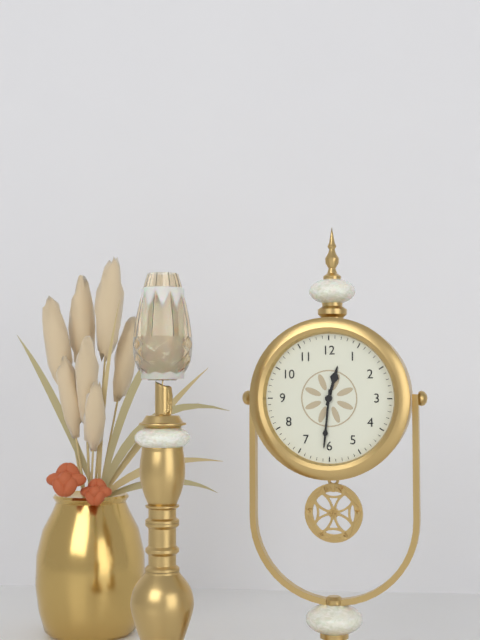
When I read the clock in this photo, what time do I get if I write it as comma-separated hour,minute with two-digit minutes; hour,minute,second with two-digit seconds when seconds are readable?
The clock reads 12,31
